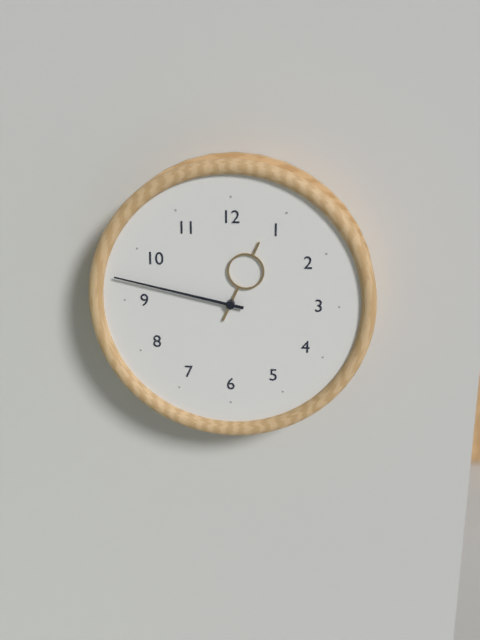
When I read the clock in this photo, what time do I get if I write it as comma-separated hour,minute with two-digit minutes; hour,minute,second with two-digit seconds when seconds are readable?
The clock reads 12,47
